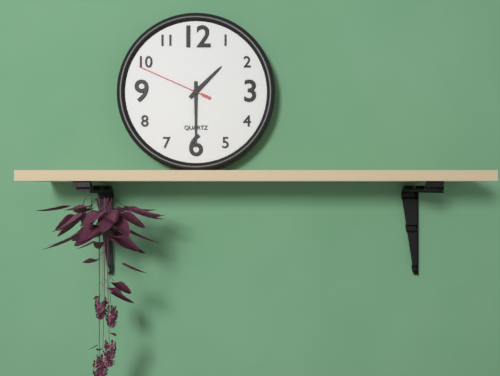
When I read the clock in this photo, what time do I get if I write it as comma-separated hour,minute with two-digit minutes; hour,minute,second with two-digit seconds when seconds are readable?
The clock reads 1,30,49
